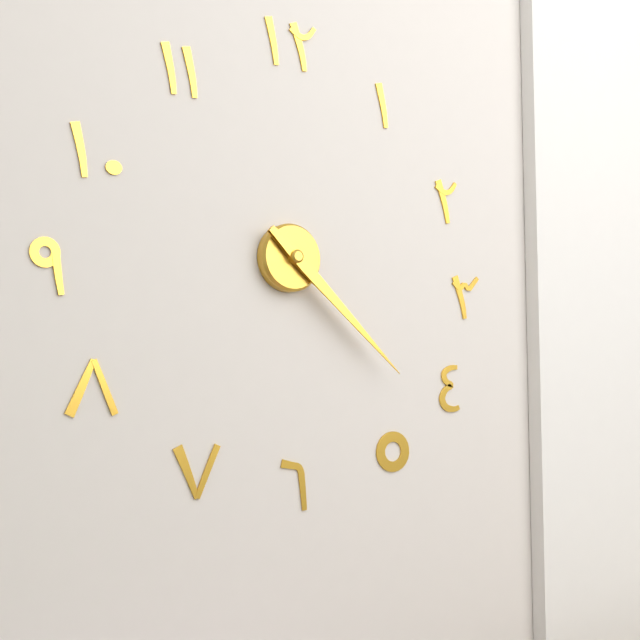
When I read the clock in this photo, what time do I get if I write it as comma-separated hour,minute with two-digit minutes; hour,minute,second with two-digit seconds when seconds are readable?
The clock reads 4,22
